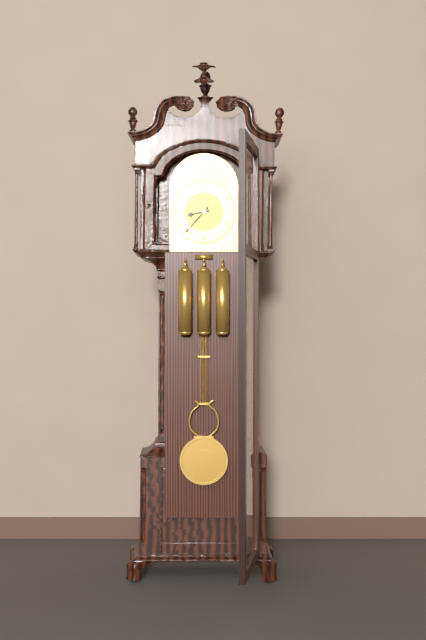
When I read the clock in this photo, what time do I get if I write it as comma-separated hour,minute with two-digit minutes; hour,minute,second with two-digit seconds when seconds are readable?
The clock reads 8,37
